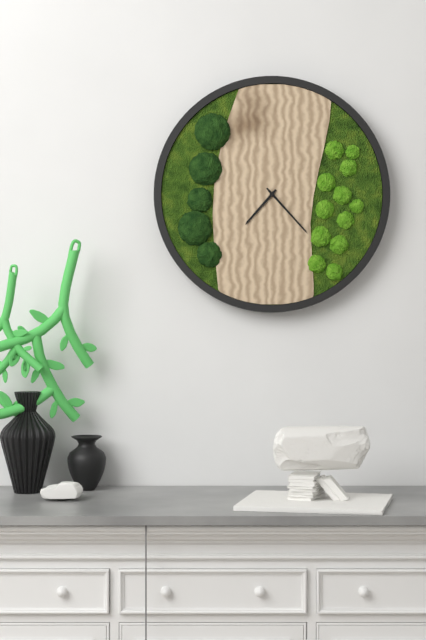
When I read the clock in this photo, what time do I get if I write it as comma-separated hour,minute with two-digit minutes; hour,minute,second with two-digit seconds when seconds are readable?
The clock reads 7,23
